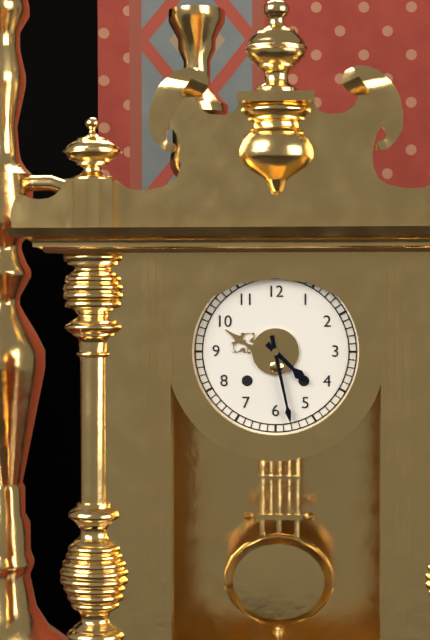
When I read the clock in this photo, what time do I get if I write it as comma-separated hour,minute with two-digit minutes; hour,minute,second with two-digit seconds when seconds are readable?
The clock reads 4,28
